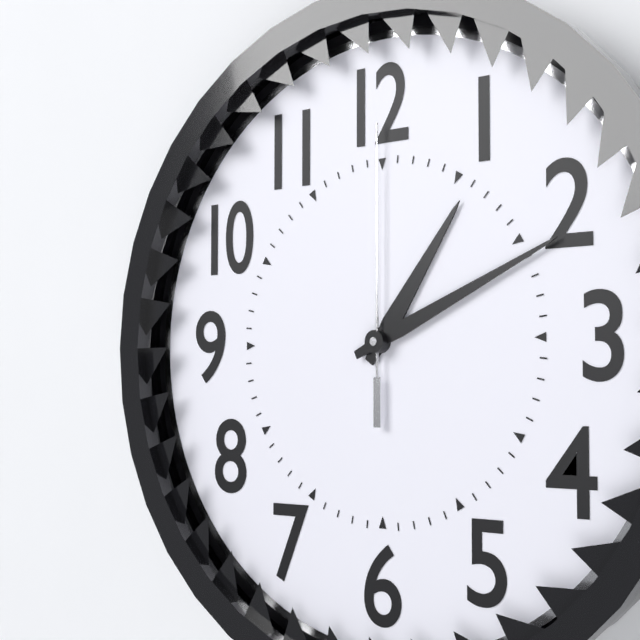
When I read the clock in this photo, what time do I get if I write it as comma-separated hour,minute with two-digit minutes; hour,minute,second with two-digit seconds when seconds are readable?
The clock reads 1,11,00
